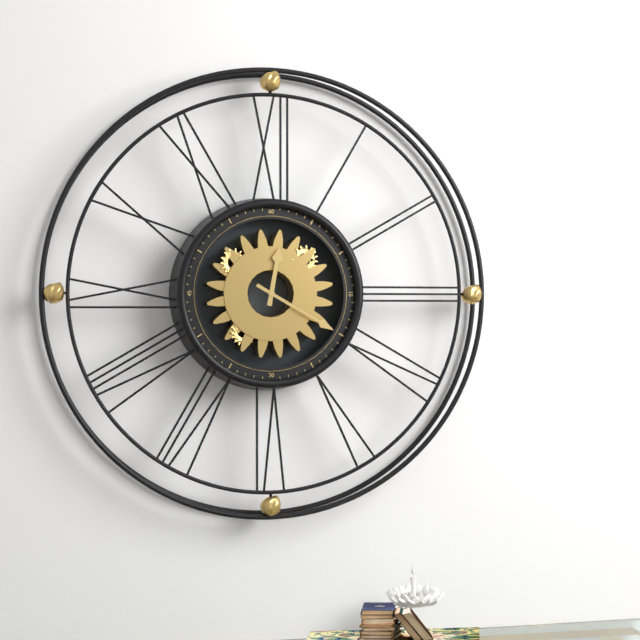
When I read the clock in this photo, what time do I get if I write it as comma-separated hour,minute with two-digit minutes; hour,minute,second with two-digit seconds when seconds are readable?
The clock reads 12,20
